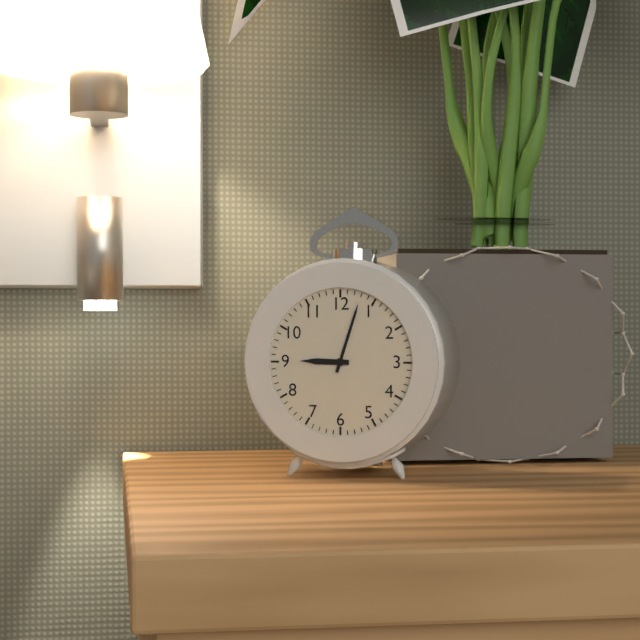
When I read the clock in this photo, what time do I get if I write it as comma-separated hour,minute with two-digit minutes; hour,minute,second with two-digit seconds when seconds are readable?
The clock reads 9,03
